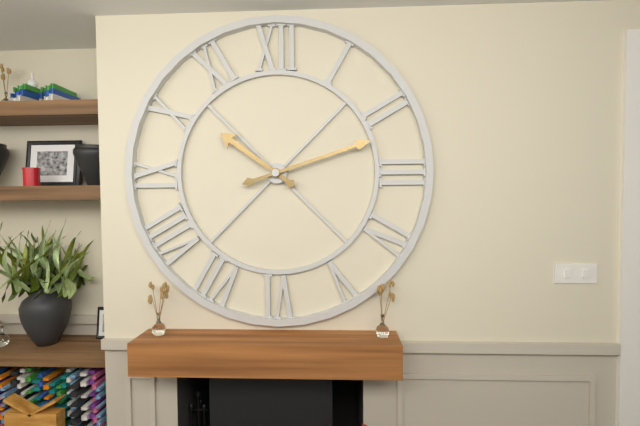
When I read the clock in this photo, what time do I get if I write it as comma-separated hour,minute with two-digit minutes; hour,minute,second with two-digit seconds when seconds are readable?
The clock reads 10,12
